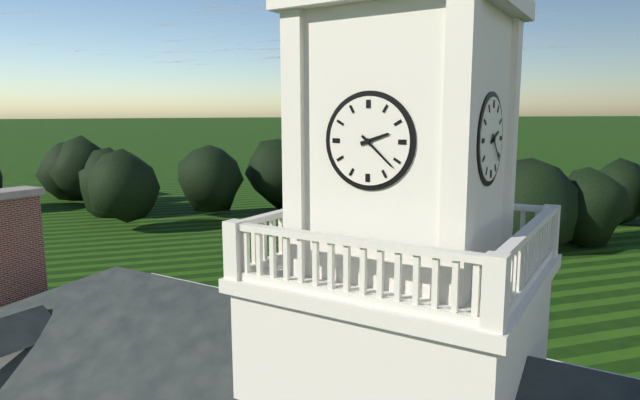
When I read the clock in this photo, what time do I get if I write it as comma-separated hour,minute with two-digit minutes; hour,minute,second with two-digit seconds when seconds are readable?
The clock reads 2,22
